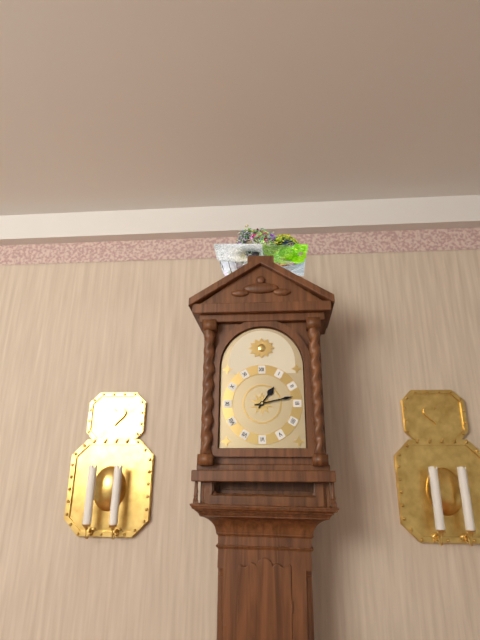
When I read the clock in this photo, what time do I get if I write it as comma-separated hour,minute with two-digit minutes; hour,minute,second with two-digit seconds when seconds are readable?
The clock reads 1,13
